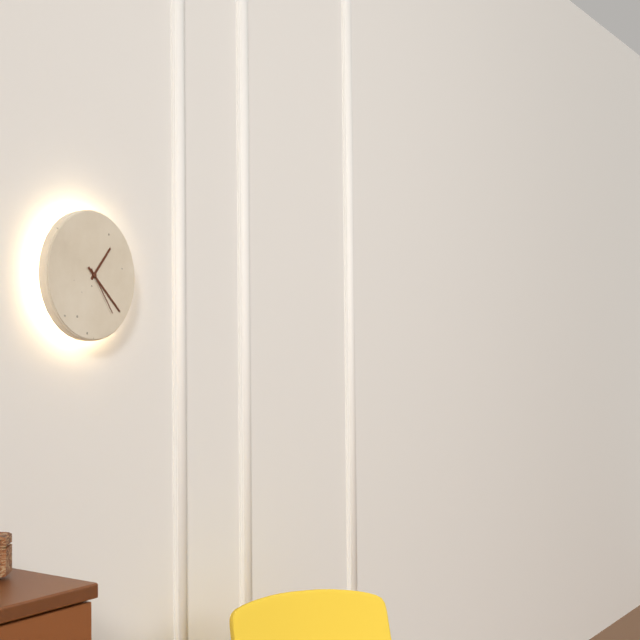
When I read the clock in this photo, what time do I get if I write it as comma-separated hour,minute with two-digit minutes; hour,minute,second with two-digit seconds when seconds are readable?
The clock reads 1,22,24
